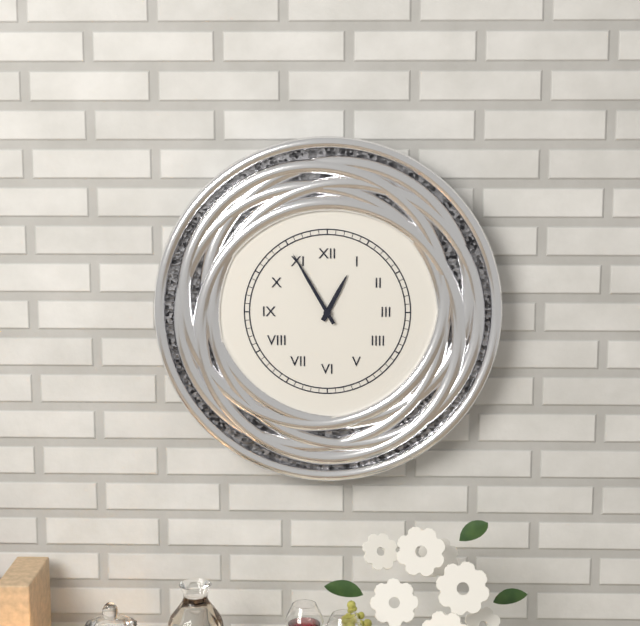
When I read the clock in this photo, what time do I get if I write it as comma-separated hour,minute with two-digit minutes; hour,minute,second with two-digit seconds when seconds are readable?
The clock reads 12,55
